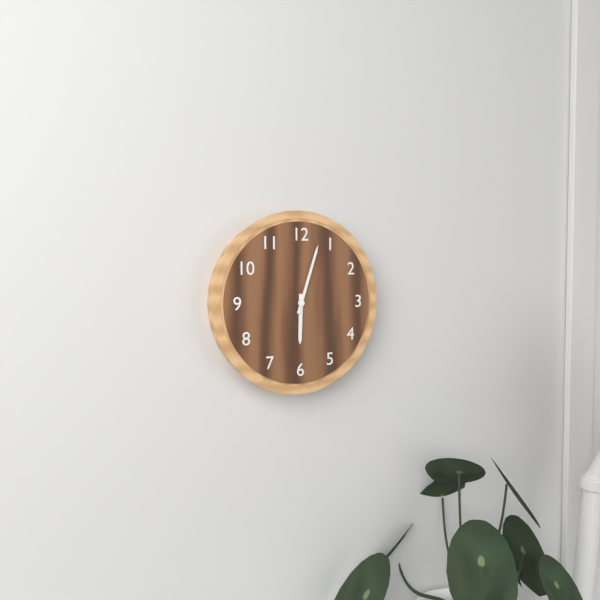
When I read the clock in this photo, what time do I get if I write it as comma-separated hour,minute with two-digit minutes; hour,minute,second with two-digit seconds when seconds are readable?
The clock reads 6,03
